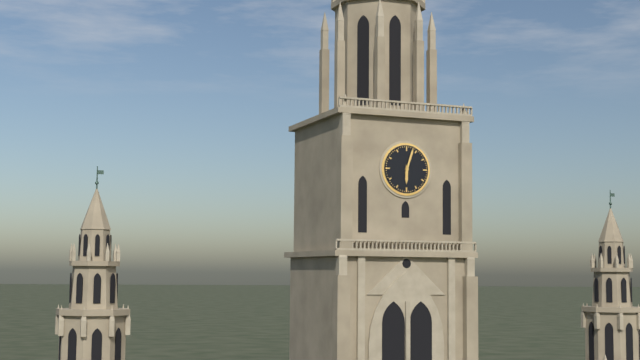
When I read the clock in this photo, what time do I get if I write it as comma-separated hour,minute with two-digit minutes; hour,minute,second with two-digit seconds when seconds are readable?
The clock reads 6,03
